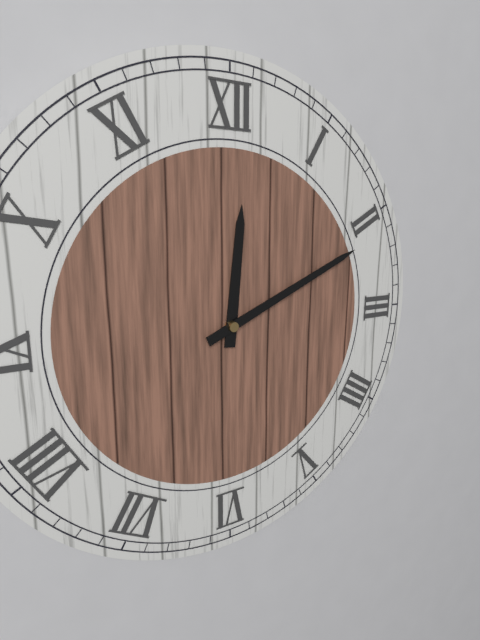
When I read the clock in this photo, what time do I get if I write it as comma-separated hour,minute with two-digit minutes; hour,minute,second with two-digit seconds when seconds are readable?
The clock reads 12,11
